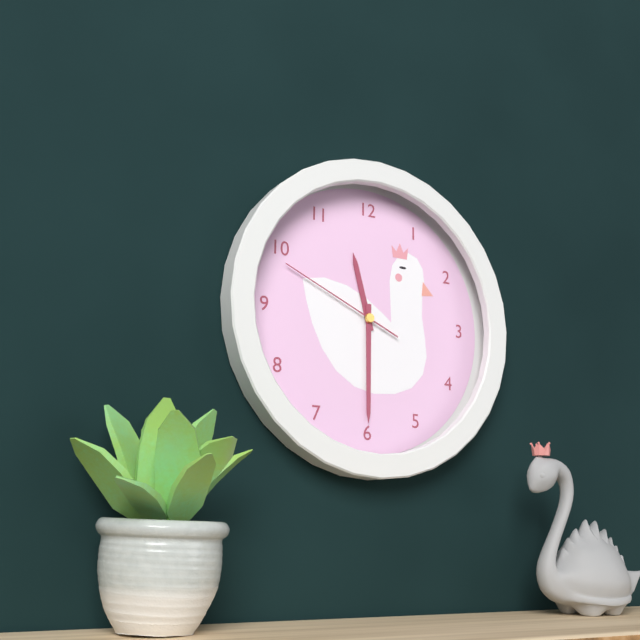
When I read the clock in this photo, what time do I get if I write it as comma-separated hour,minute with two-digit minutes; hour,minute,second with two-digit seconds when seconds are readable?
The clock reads 11,30,49
